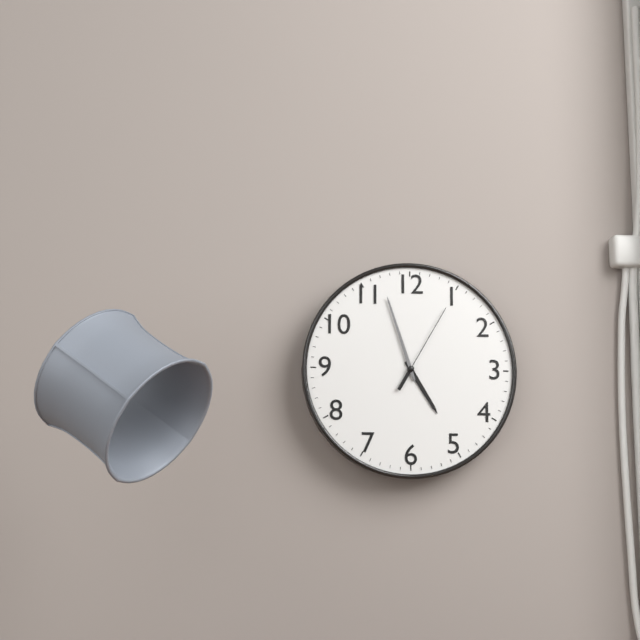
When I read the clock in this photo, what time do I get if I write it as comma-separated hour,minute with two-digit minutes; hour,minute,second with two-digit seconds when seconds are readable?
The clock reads 4,57,05
